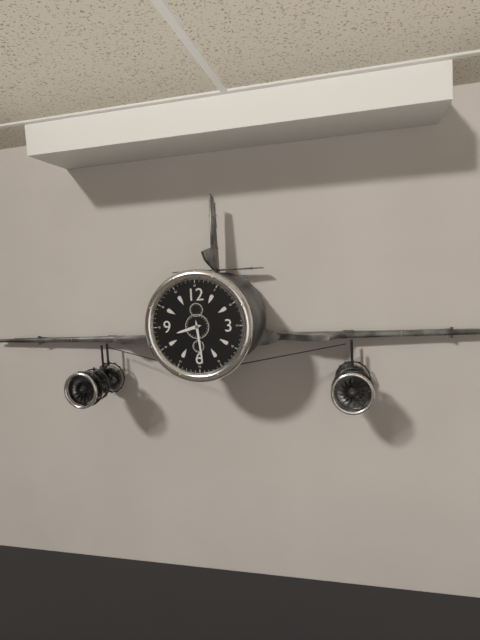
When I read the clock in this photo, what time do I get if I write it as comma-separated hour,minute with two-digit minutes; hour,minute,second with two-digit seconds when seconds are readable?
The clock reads 8,29
